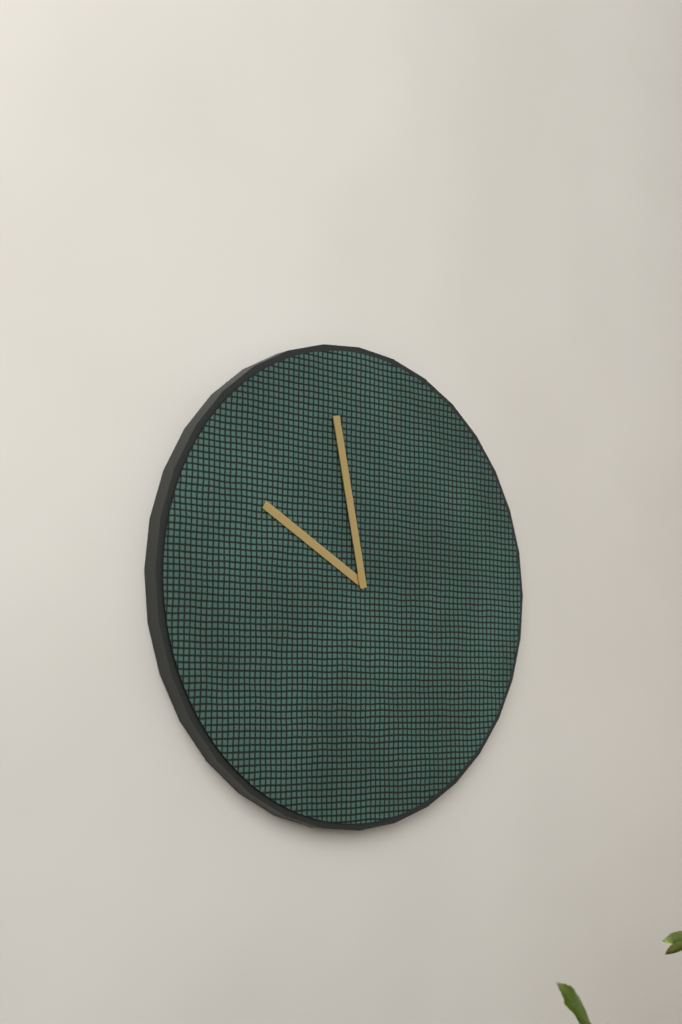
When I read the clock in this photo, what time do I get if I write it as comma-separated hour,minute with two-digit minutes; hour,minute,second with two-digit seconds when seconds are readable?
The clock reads 9,58
